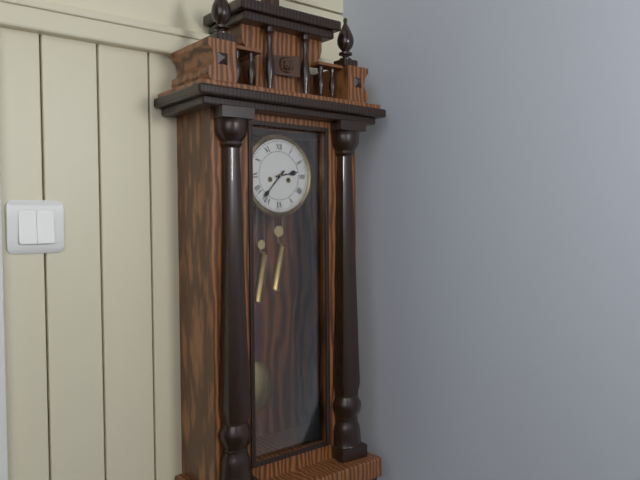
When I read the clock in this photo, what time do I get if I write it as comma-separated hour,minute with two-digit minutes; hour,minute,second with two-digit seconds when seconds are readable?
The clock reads 2,37
